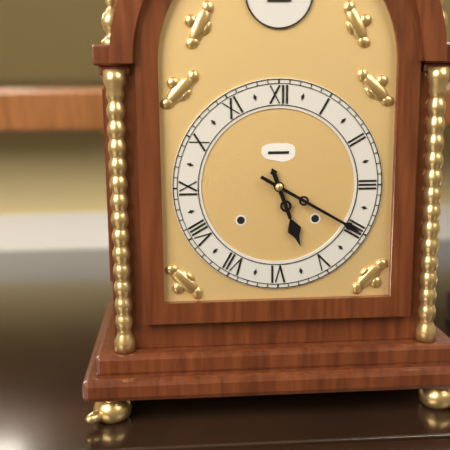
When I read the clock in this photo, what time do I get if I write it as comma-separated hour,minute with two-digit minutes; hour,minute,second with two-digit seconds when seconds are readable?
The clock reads 5,20
